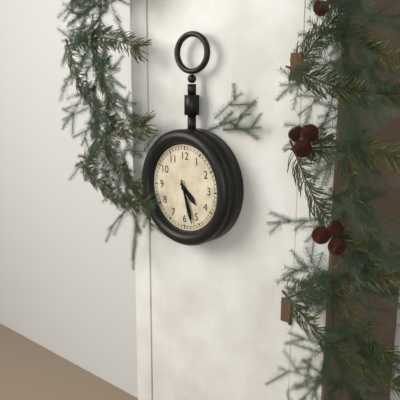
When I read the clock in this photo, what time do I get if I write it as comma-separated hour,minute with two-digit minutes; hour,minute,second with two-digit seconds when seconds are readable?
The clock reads 4,27
